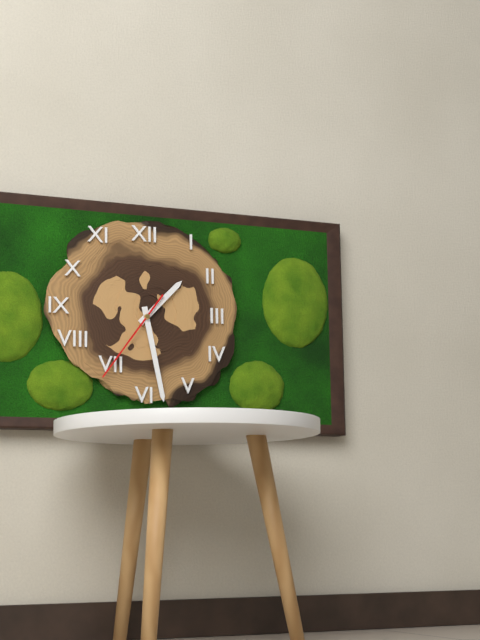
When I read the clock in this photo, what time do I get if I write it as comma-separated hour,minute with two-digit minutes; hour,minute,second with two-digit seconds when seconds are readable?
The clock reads 1,28,36
